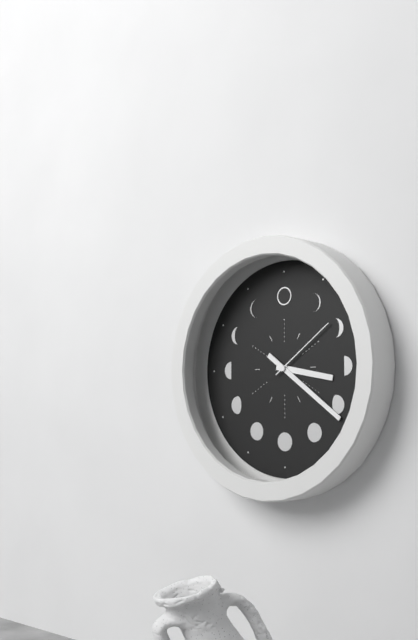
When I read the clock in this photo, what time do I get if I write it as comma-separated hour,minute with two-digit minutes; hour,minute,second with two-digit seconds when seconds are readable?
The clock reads 3,21,09
